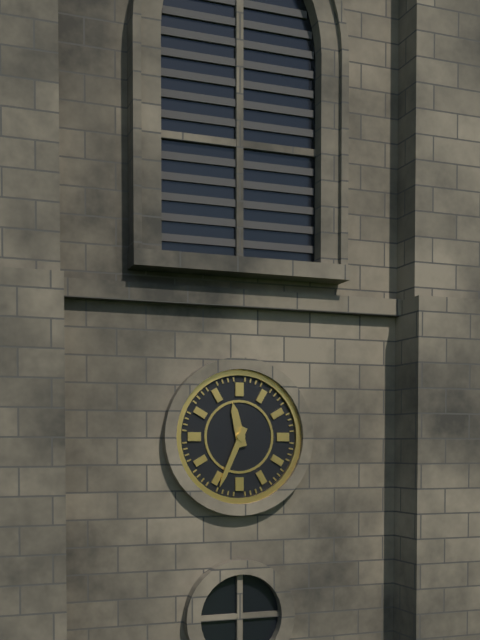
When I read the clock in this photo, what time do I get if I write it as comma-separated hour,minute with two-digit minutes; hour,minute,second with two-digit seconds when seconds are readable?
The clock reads 11,34
